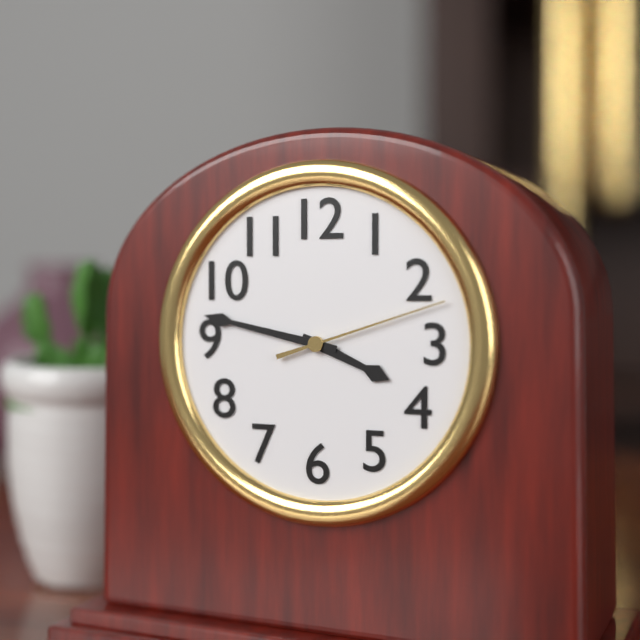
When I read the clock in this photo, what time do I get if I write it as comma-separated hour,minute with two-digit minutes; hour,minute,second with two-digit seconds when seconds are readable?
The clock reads 3,47,12
